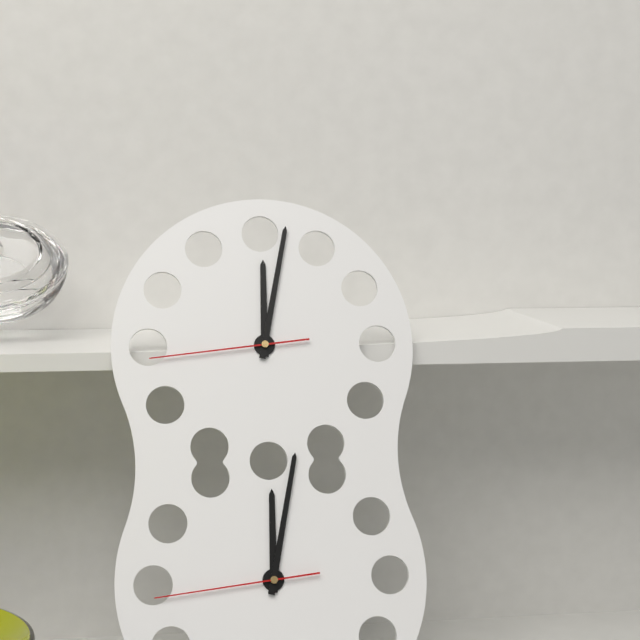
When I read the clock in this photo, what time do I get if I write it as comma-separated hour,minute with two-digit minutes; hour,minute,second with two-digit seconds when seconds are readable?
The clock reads 12,02,44
